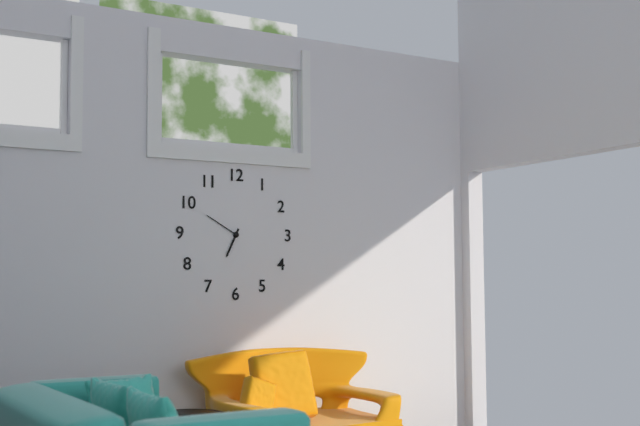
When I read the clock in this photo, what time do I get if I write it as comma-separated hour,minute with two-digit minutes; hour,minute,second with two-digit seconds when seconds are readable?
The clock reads 6,50
